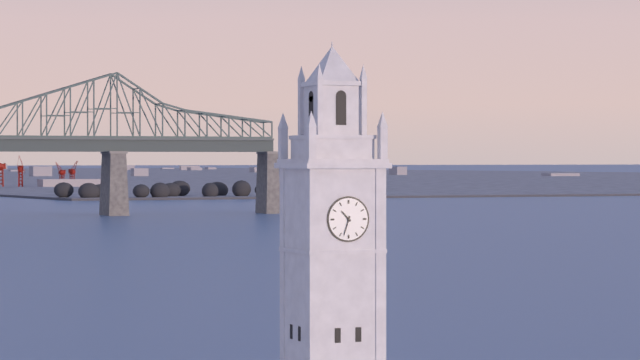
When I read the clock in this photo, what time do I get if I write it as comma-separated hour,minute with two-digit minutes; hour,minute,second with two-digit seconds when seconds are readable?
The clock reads 10,33
